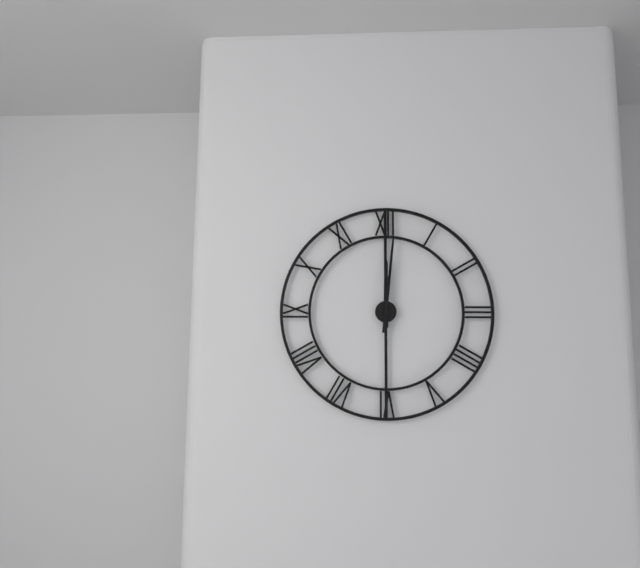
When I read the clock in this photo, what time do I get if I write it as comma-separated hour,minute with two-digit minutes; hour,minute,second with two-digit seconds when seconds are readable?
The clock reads 12,01
